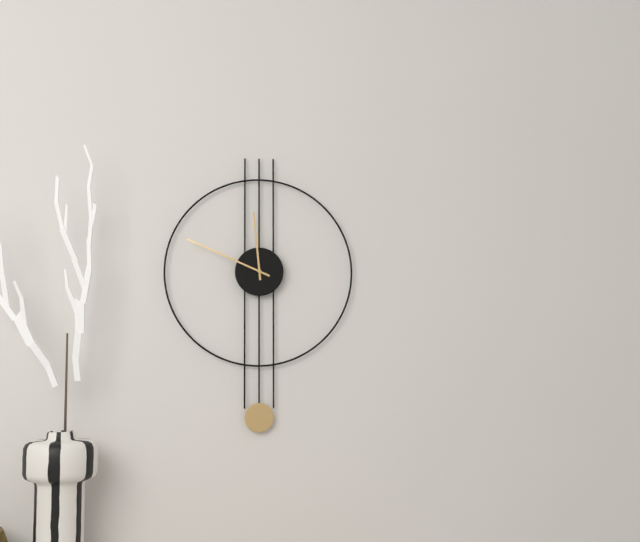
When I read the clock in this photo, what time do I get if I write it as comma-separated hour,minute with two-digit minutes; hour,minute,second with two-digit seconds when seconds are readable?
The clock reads 11,49
